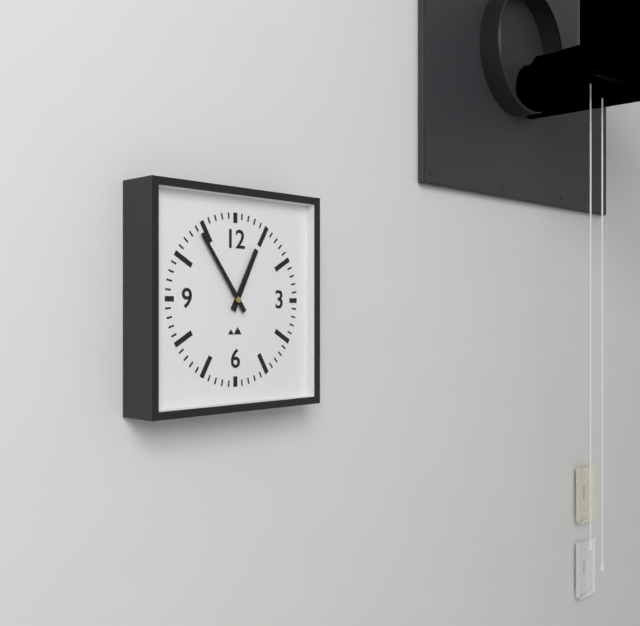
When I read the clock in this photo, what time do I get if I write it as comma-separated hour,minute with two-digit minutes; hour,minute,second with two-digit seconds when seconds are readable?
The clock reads 12,54
